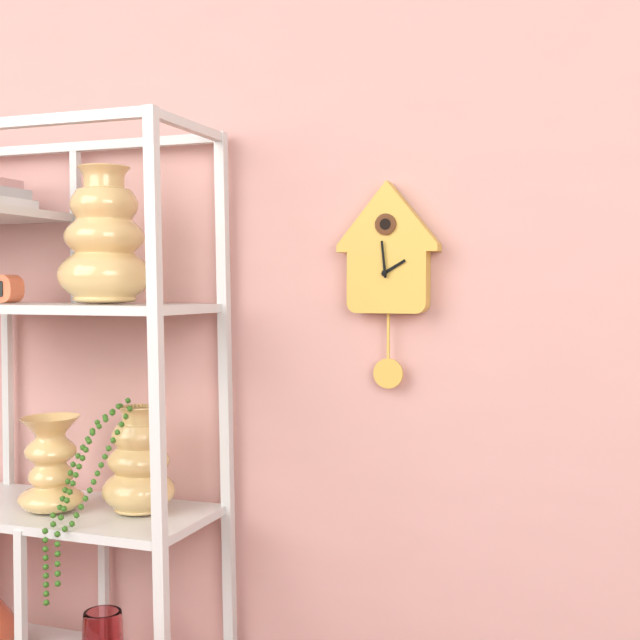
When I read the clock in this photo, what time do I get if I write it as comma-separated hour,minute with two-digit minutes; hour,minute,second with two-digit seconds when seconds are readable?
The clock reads 1,59
